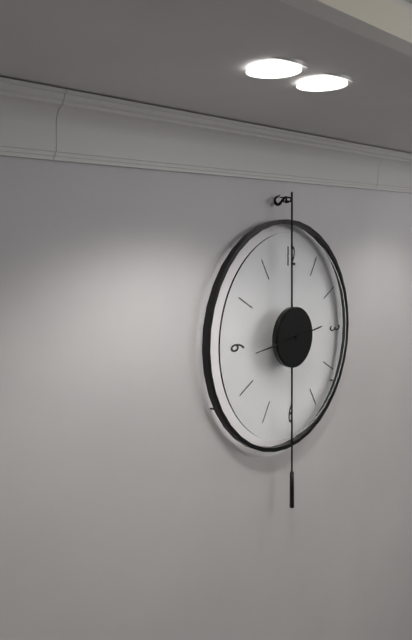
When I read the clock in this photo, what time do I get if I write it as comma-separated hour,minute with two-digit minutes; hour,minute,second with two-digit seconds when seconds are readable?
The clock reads 2,44
